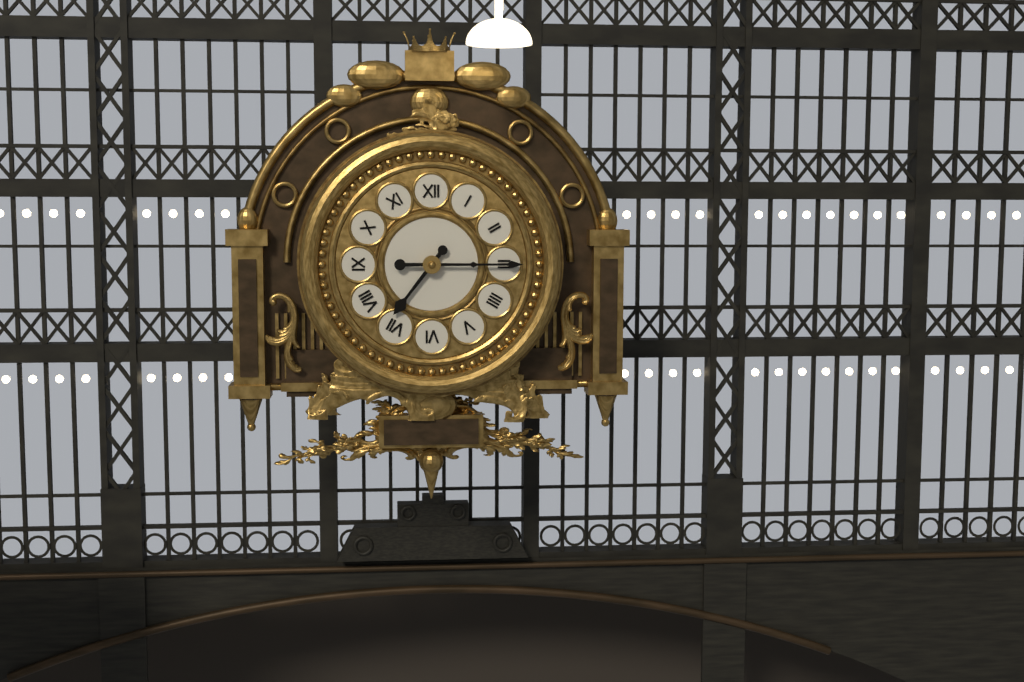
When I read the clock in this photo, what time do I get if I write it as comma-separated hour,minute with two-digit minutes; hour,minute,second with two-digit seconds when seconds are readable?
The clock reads 7,15
